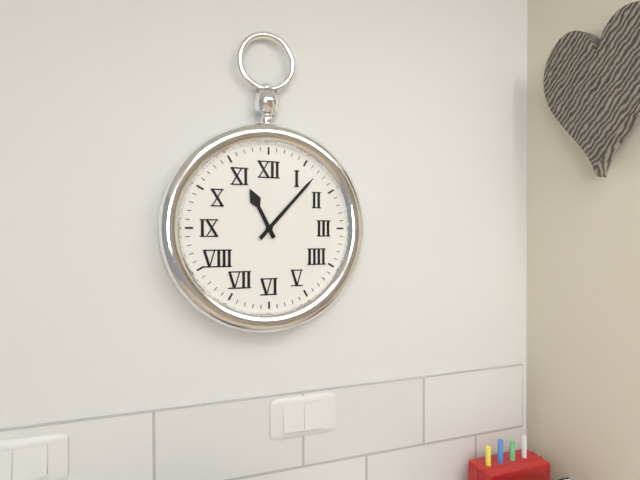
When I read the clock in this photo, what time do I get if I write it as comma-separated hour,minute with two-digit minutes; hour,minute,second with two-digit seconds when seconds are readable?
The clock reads 11,07
